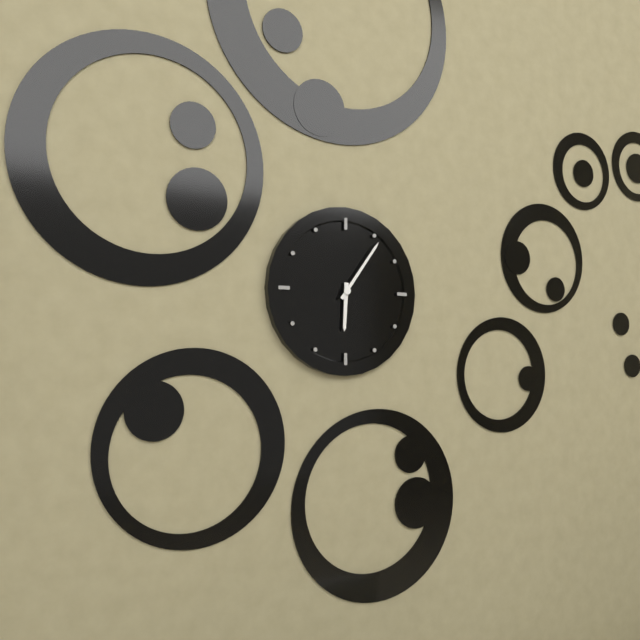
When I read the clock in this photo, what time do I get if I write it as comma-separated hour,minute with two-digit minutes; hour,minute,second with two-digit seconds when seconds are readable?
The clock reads 6,06
